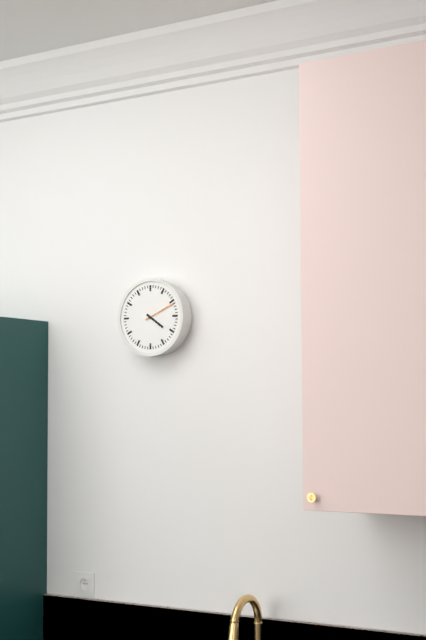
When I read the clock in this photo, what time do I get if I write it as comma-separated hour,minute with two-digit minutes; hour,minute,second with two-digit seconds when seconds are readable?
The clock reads 4,11
